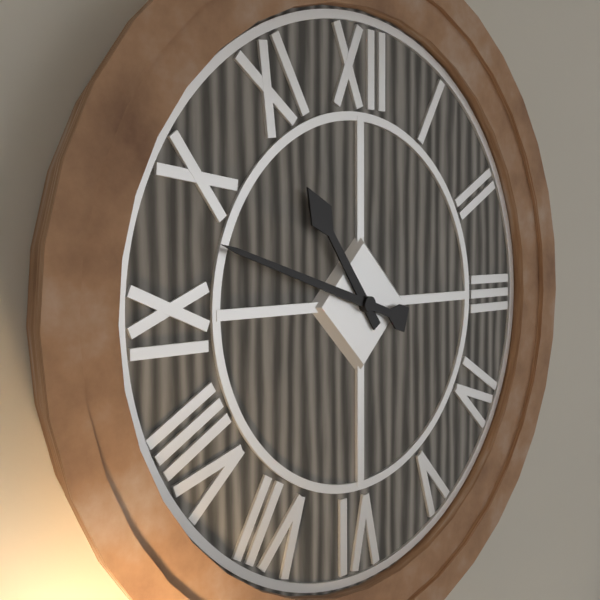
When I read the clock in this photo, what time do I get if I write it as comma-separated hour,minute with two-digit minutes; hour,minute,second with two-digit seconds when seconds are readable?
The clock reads 10,48
